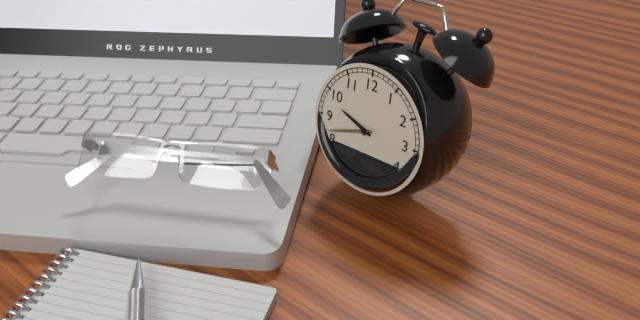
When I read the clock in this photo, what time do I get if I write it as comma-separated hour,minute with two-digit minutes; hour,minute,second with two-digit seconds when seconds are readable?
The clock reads 9,42,42
